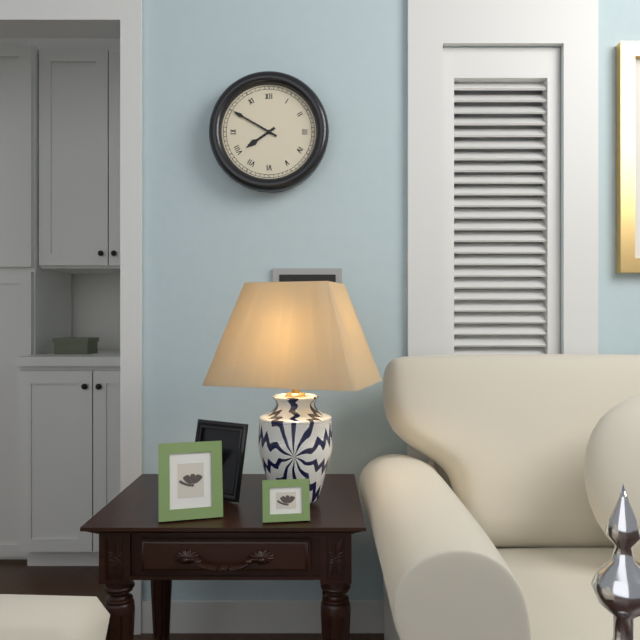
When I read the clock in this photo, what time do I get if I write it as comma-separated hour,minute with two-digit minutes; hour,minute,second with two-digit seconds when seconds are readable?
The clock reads 7,50
